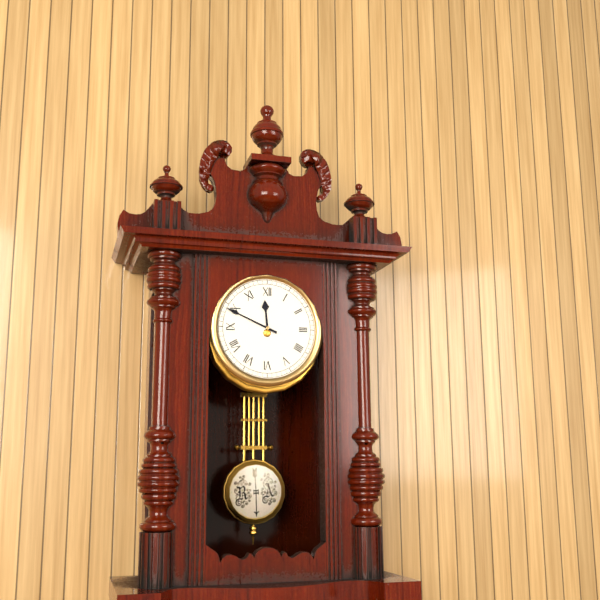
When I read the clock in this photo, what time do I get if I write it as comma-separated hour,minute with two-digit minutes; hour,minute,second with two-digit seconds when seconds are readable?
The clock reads 11,49
